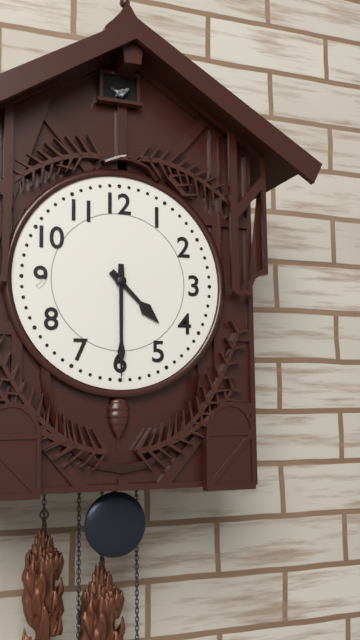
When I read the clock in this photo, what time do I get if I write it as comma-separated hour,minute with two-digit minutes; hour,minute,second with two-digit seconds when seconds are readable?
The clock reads 4,30
